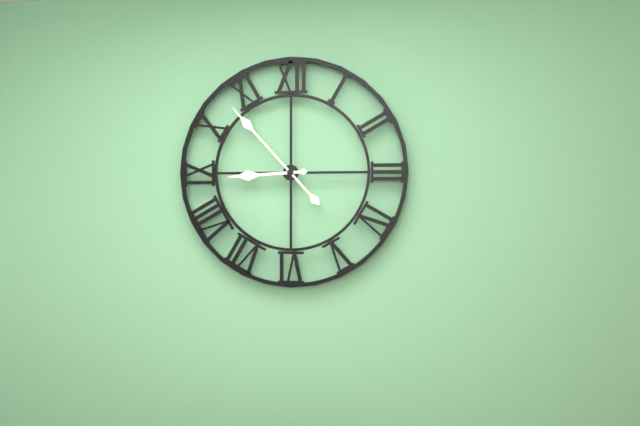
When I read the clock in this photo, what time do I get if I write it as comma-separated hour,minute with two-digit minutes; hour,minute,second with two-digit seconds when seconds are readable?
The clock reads 8,53
